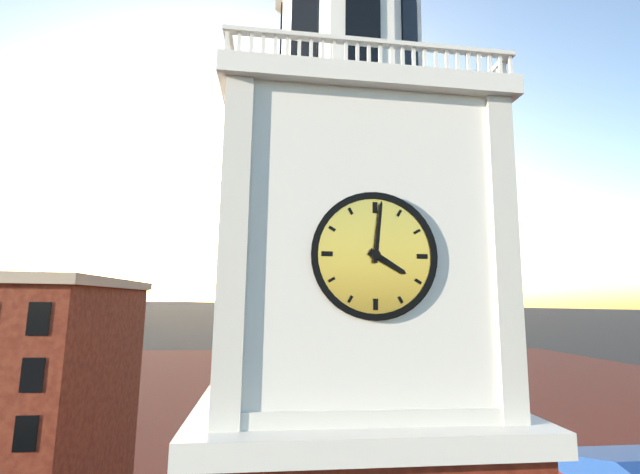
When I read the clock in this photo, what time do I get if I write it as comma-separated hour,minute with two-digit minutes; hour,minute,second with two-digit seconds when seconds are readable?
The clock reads 4,01
